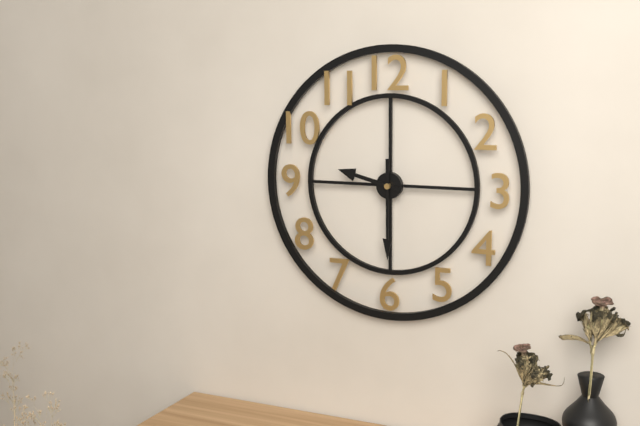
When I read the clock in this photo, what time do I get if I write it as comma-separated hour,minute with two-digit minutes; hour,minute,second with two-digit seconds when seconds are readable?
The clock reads 9,30
